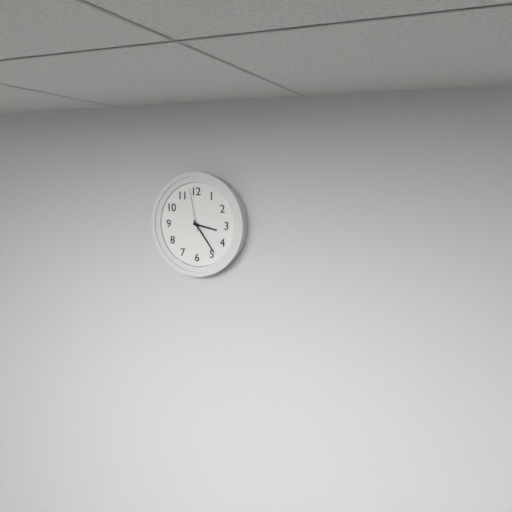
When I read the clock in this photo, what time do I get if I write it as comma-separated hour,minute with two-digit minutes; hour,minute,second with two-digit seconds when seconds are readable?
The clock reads 3,24
